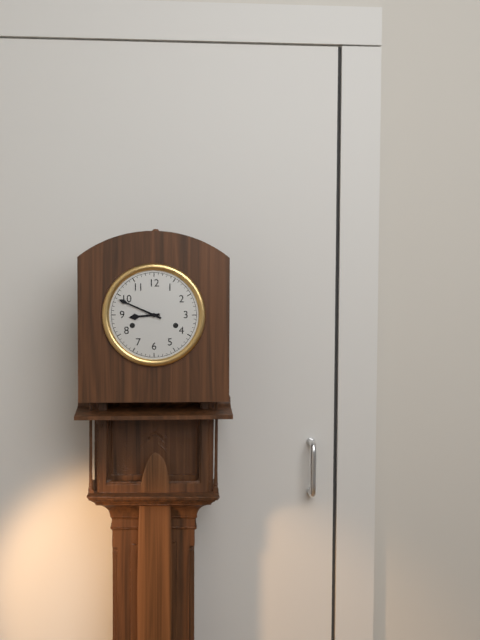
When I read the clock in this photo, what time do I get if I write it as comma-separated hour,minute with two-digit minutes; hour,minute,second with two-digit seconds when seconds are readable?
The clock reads 8,49
